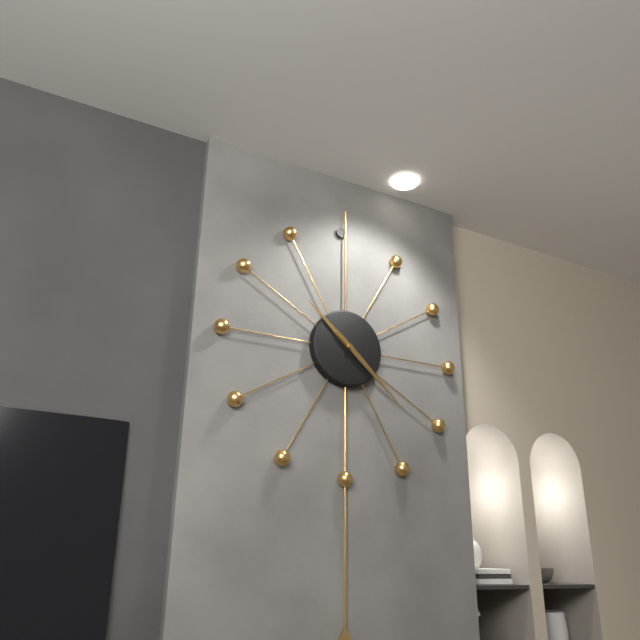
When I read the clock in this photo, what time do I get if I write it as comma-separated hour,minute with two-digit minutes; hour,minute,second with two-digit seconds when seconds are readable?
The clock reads 10,22
